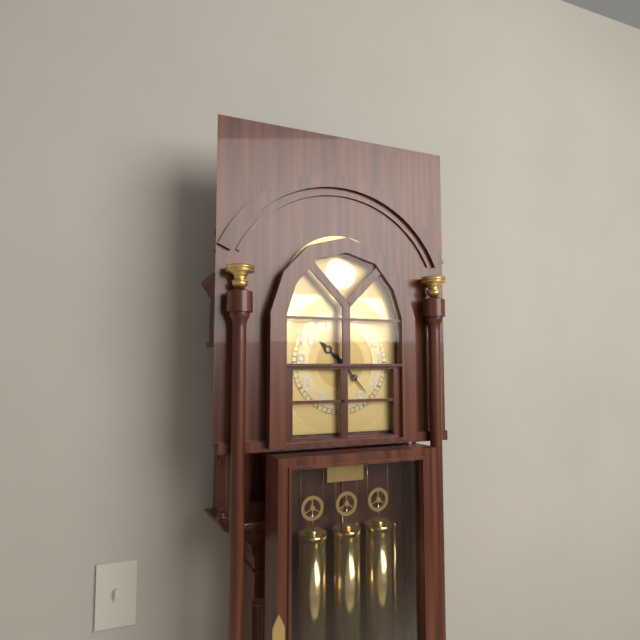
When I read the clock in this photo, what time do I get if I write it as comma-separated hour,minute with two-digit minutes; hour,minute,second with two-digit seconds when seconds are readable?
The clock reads 10,23
